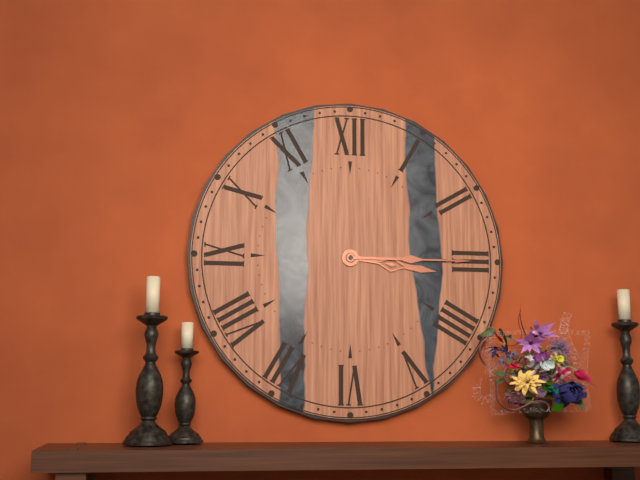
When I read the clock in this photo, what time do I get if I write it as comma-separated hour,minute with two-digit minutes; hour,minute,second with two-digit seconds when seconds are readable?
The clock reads 3,15
